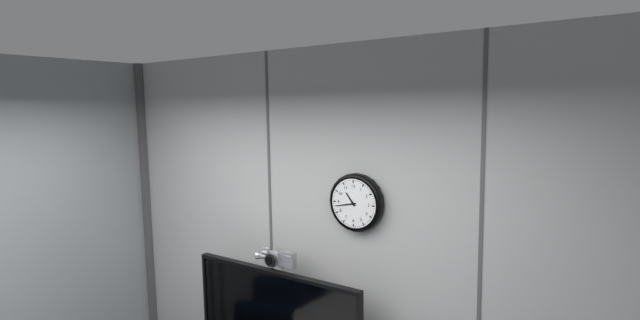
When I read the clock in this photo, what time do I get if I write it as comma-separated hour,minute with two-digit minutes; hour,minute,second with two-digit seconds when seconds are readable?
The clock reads 10,43
